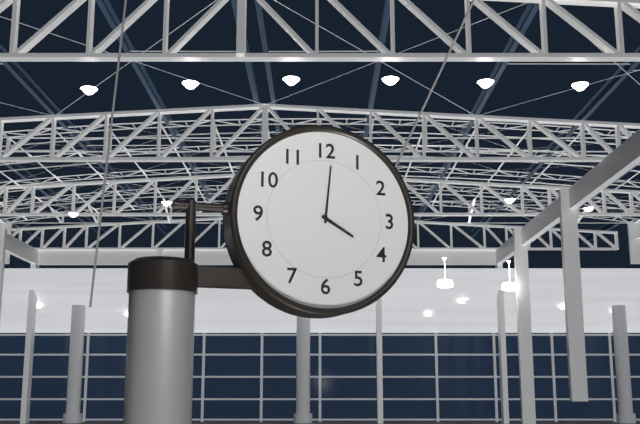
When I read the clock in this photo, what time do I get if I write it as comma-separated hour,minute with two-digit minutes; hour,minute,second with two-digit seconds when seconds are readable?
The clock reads 4,01
